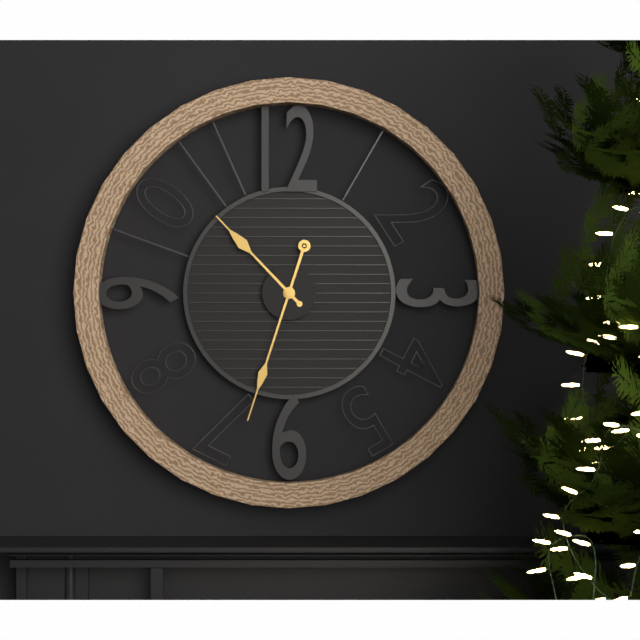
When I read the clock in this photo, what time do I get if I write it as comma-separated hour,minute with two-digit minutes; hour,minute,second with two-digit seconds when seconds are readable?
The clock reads 10,33
